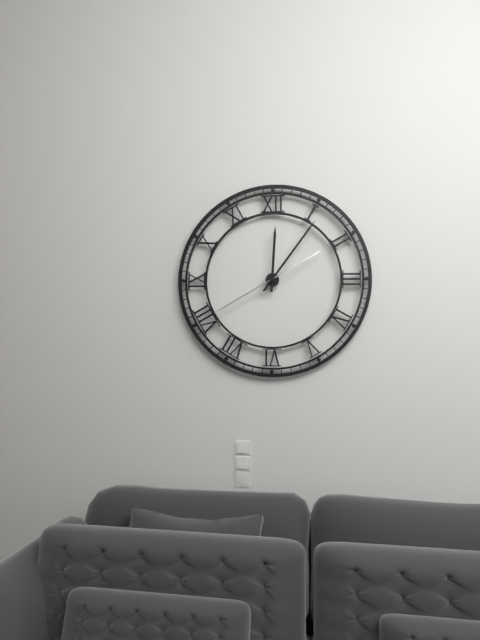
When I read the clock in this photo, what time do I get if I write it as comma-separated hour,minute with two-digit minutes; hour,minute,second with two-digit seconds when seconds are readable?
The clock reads 12,06,40
